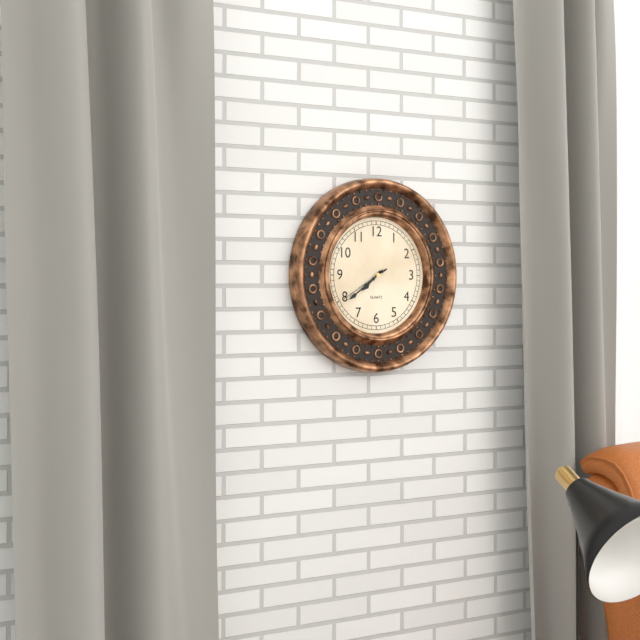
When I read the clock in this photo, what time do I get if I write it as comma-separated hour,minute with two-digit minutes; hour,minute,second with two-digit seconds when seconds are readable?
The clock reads 7,39,40
